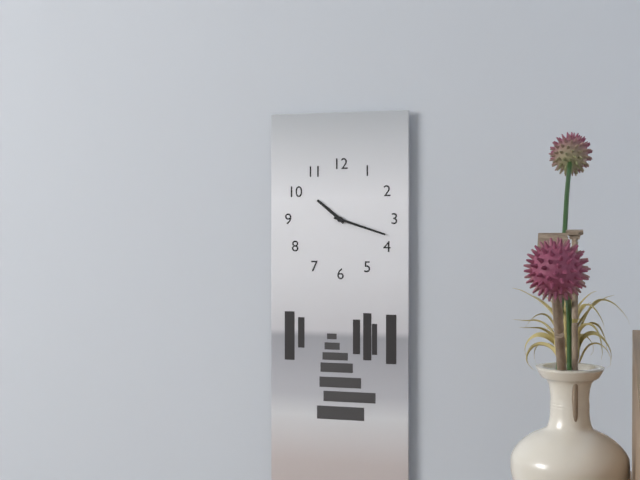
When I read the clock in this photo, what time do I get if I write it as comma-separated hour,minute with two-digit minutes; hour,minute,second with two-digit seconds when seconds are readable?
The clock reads 10,18
